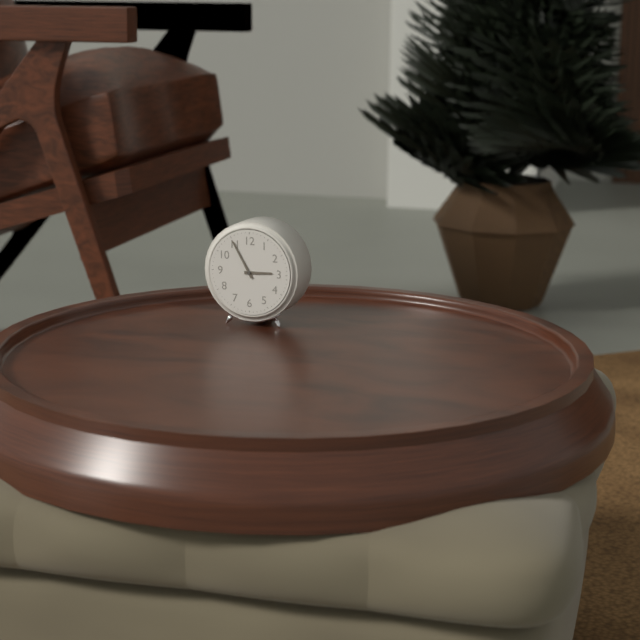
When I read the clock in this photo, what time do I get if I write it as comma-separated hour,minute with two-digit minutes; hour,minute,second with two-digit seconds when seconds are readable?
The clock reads 2,55
